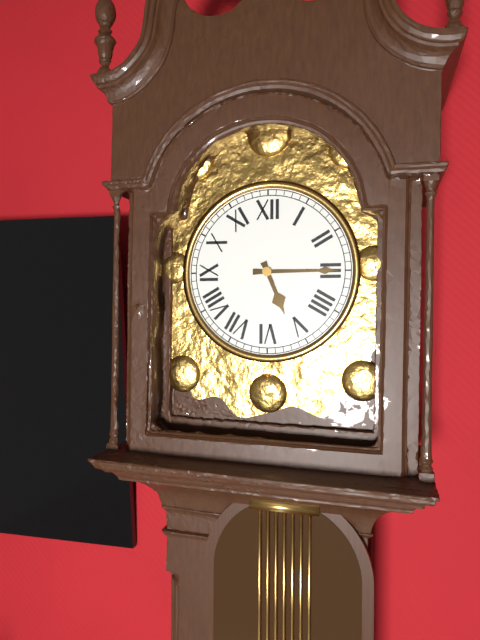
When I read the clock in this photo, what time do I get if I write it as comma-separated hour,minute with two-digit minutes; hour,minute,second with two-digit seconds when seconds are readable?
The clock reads 5,15
